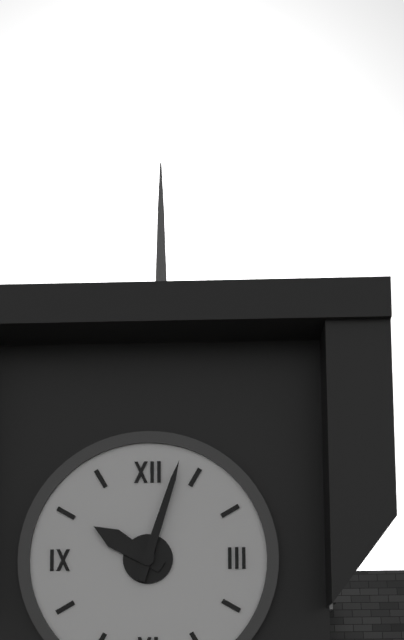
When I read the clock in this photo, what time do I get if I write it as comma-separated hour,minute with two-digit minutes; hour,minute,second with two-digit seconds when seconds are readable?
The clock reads 10,03
